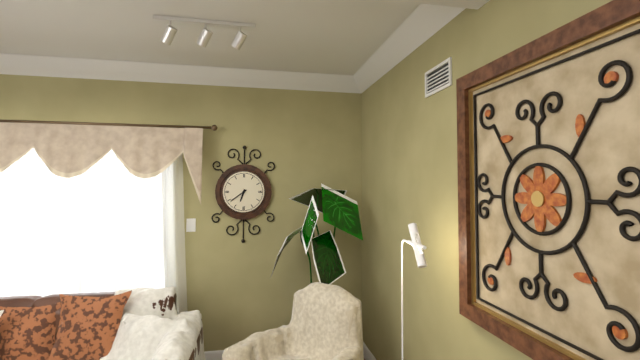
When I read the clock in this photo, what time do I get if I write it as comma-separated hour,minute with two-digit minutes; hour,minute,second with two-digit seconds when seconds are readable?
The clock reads 6,39
